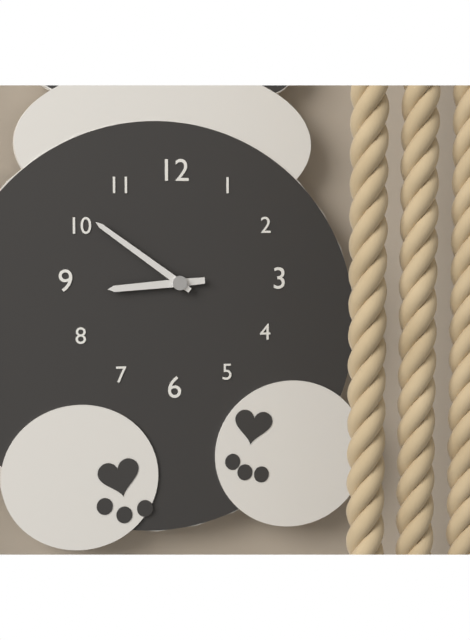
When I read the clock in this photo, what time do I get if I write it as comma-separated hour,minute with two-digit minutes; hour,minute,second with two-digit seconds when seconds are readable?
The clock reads 8,51
